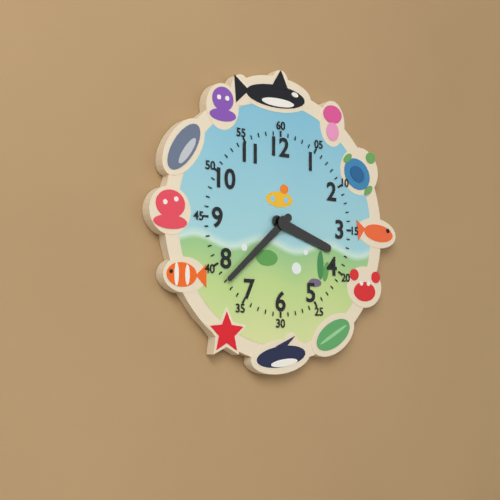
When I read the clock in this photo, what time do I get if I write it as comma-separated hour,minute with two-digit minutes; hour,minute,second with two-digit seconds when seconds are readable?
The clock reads 3,38
